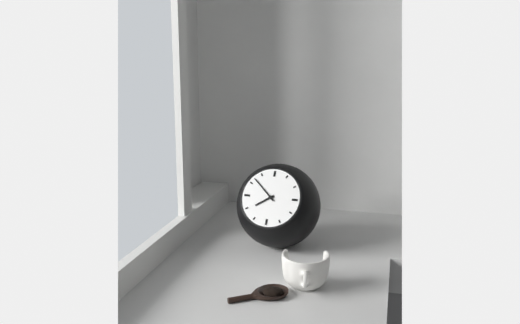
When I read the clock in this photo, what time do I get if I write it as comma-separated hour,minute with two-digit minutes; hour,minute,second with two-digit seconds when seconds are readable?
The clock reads 7,52
